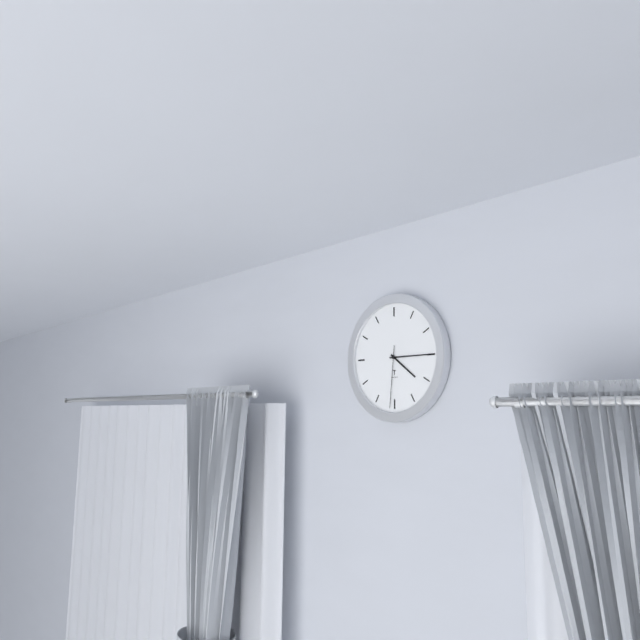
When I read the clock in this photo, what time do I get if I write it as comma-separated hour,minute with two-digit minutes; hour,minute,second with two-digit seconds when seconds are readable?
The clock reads 4,15,31
